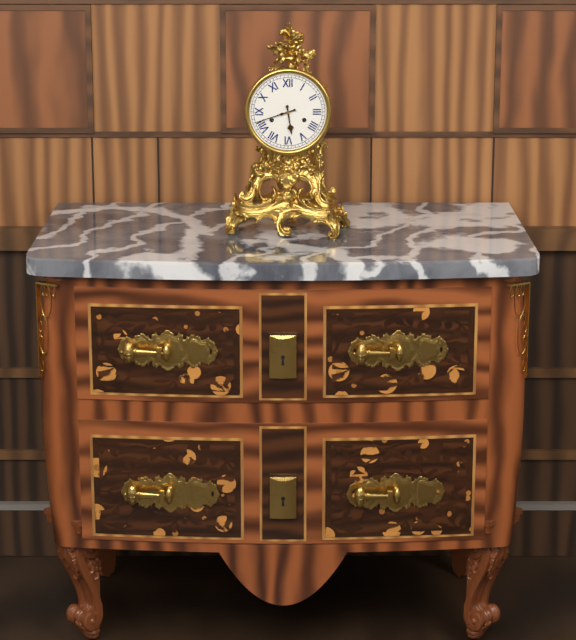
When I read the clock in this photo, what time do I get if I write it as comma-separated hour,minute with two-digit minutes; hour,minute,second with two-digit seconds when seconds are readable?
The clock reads 5,42
